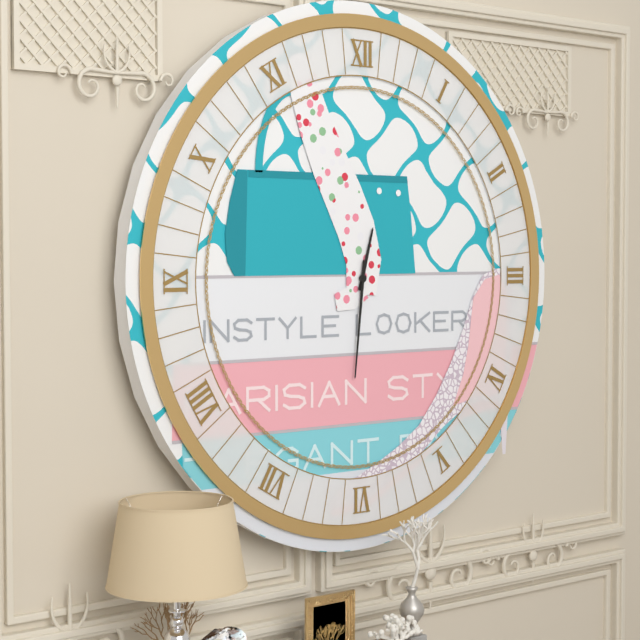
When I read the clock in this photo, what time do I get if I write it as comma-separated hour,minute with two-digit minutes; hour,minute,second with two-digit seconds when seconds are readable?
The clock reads 12,31
